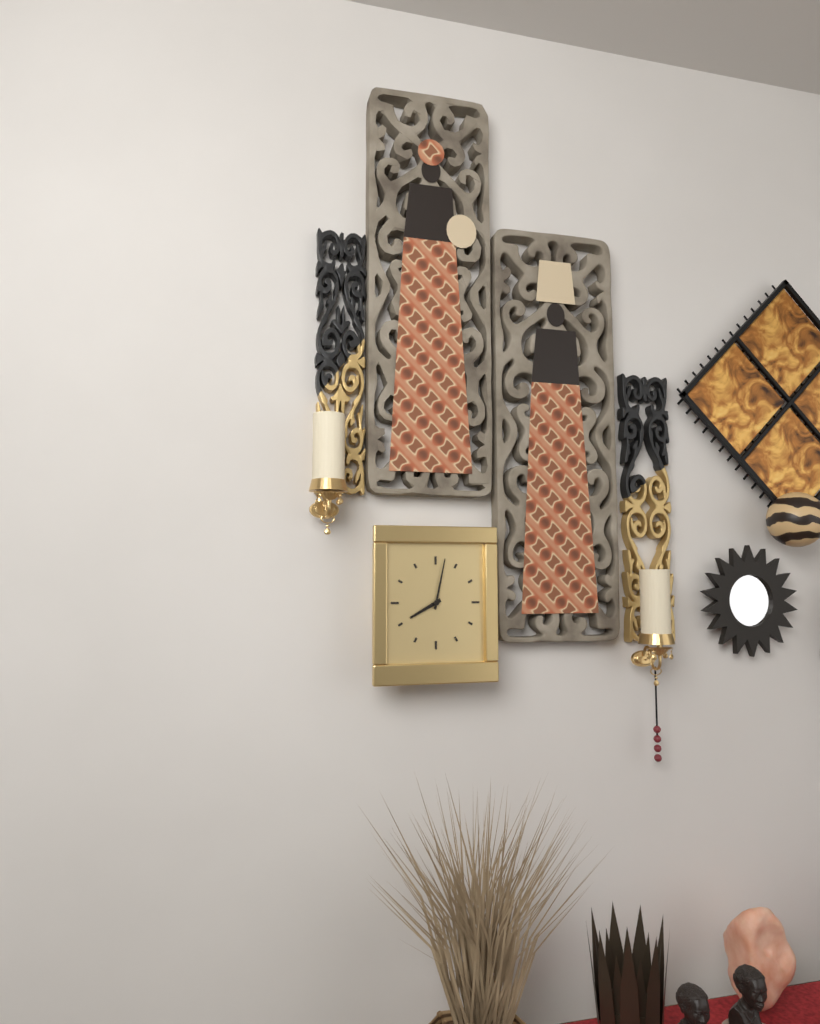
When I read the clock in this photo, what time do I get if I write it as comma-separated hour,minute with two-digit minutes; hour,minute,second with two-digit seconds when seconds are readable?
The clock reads 8,02
